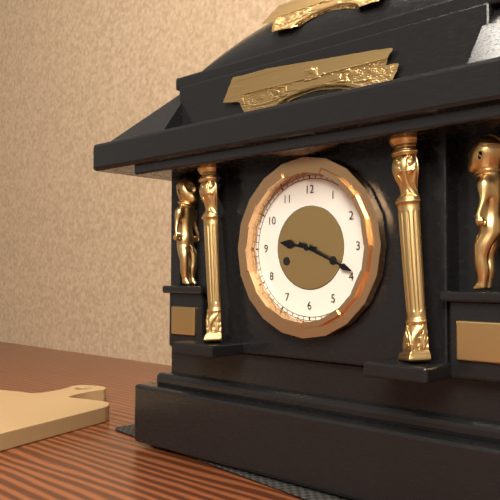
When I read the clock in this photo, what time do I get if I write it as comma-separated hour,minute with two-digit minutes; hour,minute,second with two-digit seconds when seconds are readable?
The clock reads 9,19
